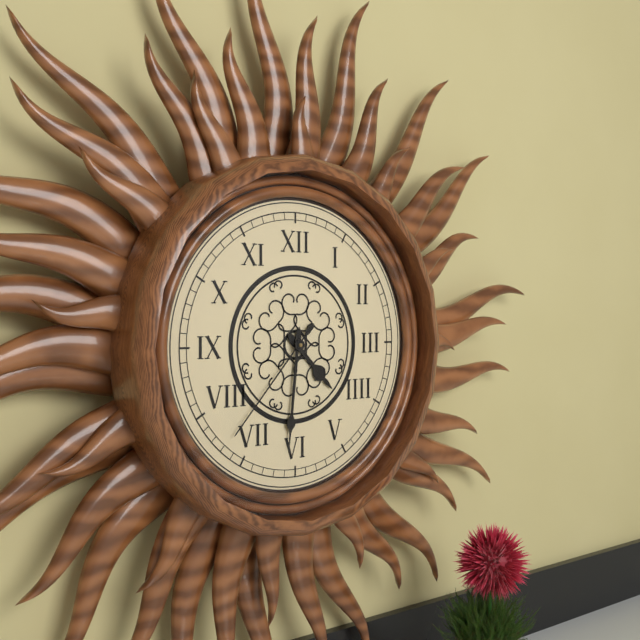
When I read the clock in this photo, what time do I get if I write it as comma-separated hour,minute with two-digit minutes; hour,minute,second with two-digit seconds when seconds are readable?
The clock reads 4,31,37
